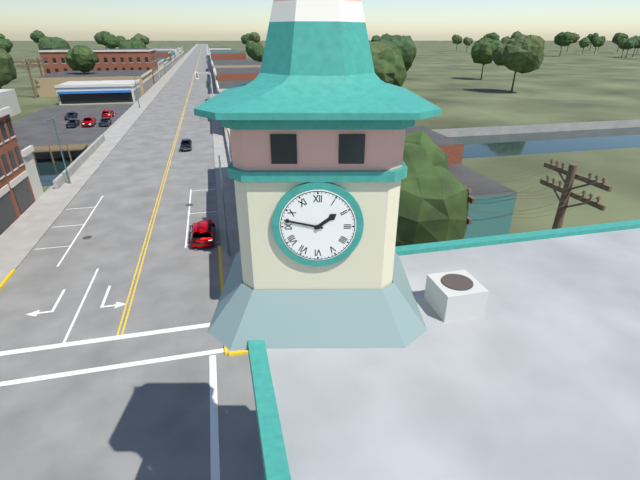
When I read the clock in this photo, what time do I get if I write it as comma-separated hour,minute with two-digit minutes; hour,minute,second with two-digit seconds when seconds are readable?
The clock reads 1,47
